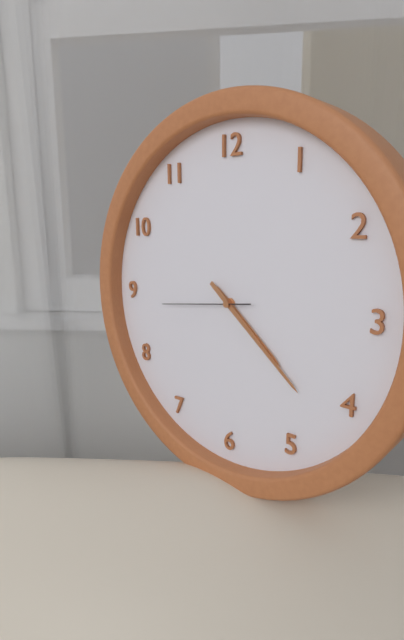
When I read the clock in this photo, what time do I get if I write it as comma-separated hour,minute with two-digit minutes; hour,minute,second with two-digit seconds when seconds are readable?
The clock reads 4,22,44
